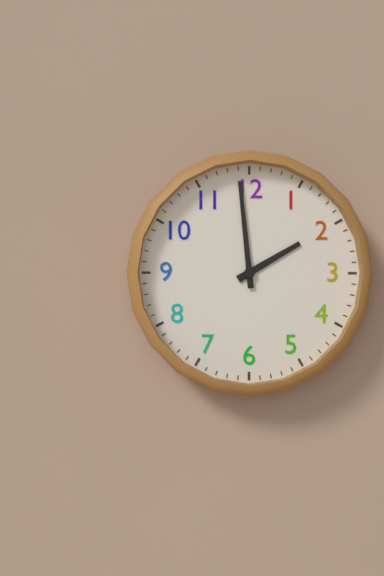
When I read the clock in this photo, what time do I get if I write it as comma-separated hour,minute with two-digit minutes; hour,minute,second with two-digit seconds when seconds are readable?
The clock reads 1,59
